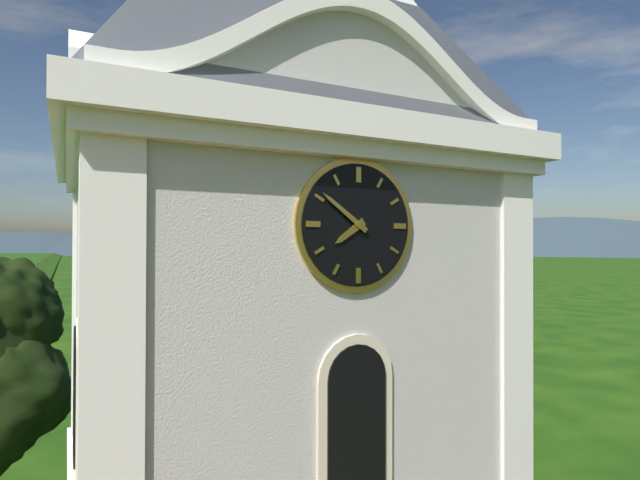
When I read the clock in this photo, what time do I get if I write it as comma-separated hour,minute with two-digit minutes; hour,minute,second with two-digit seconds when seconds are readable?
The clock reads 7,51
